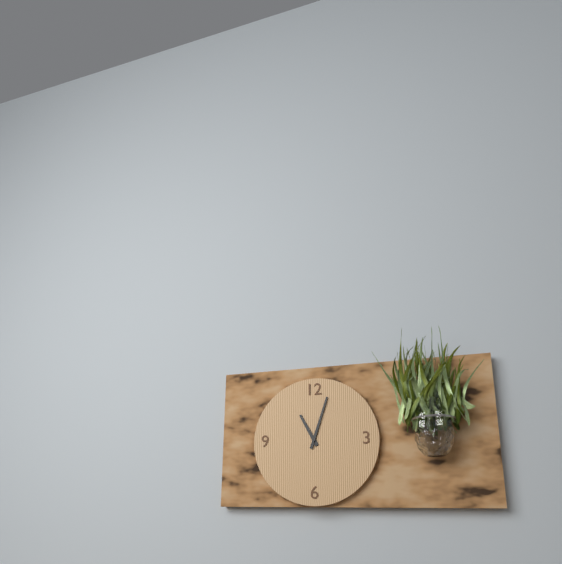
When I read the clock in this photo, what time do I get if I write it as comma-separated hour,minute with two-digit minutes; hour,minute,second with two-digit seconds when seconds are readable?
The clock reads 11,03
